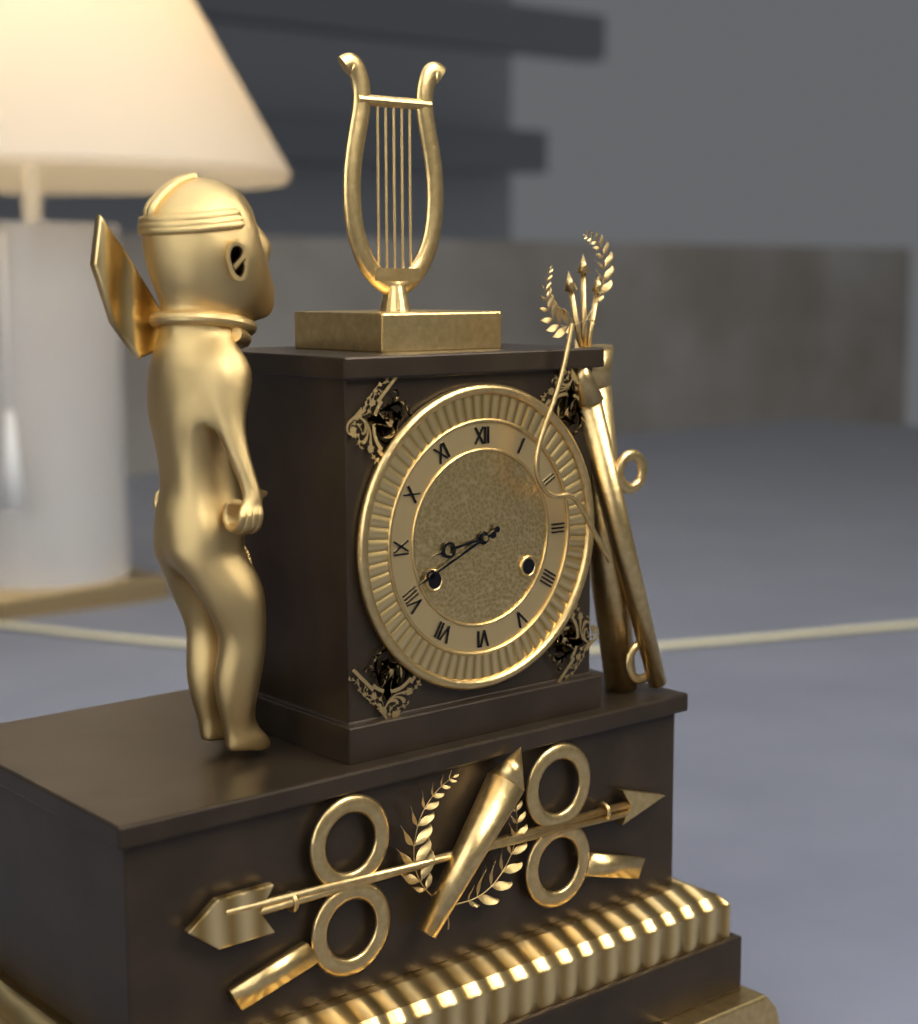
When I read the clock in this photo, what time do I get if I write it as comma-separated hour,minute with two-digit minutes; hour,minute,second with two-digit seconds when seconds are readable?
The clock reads 8,41
